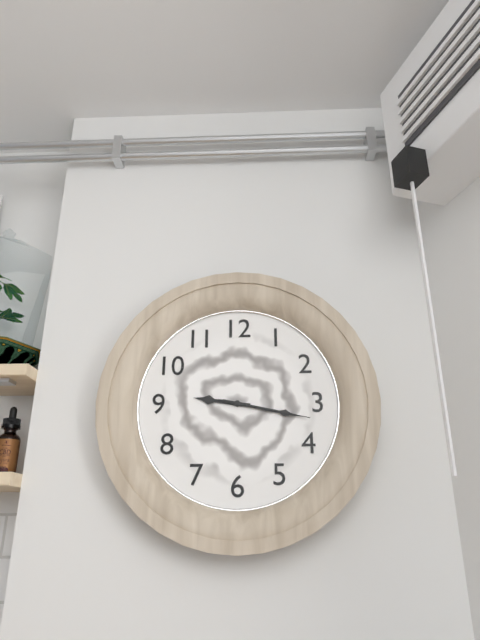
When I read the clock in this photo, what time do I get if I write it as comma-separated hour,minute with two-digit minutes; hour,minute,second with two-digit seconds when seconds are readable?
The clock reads 9,17,17
